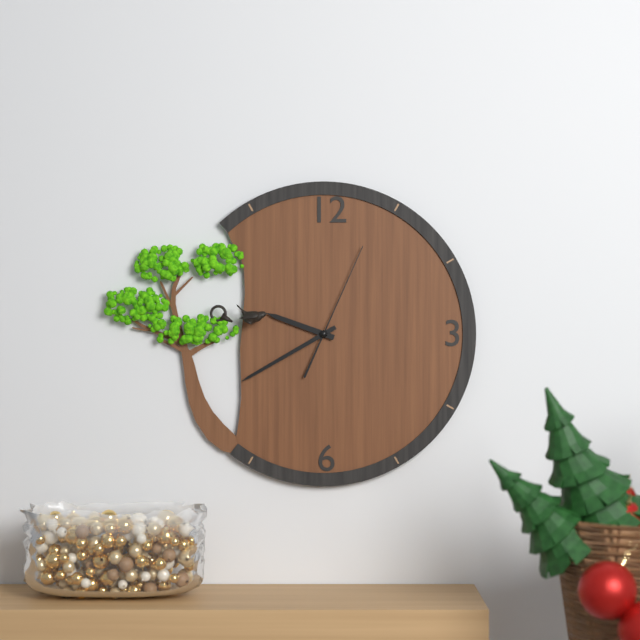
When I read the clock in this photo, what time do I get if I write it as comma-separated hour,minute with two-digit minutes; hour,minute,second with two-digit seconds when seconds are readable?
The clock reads 9,40,04
